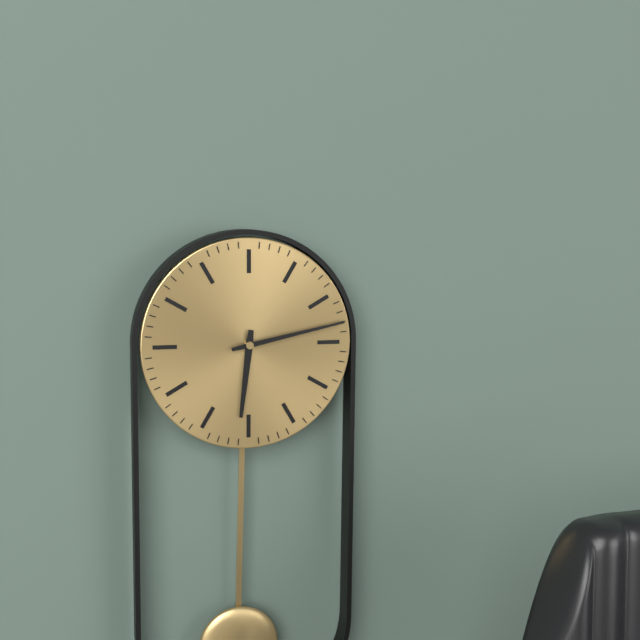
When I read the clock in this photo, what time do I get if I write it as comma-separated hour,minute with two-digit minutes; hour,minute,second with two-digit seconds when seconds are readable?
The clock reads 6,13
